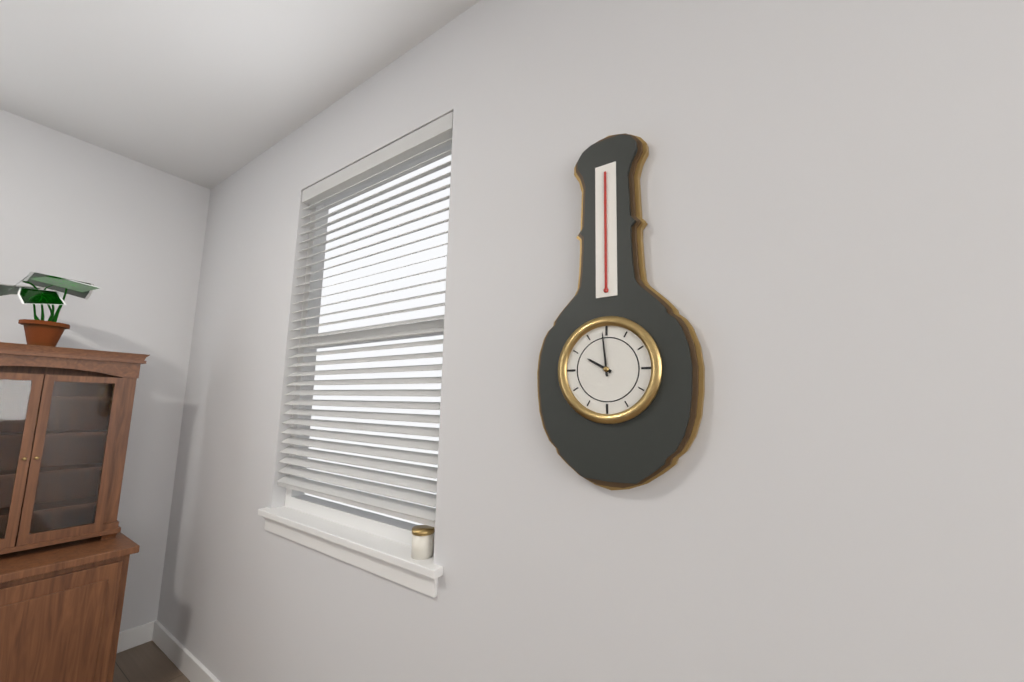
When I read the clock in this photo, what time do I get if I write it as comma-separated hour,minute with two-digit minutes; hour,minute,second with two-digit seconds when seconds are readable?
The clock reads 9,59
